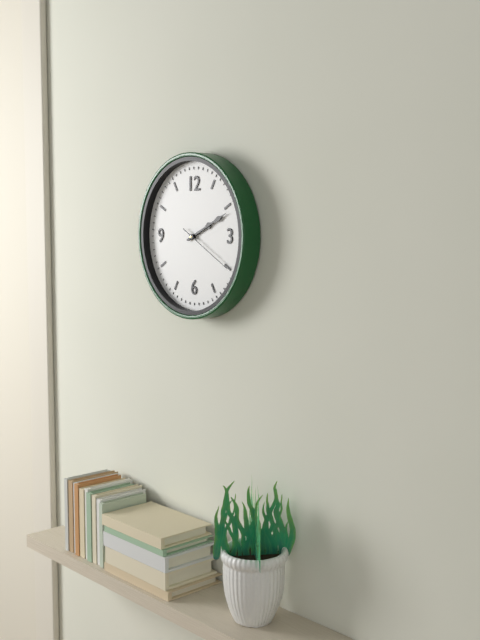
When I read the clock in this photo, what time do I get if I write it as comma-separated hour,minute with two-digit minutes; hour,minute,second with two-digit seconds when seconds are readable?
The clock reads 2,11,20
